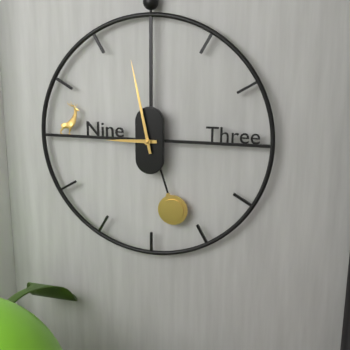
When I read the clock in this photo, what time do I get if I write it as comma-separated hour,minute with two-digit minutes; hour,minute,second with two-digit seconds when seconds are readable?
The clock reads 8,58
